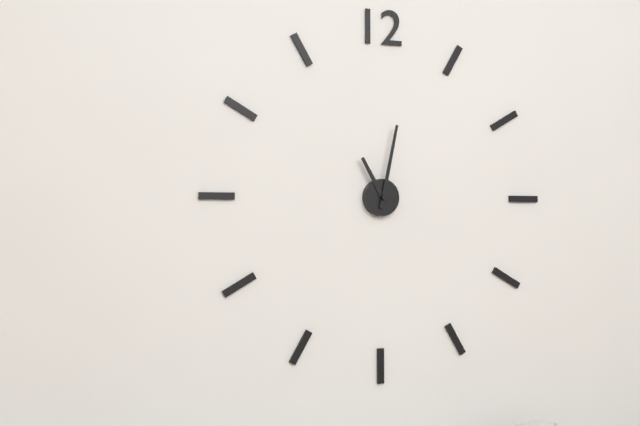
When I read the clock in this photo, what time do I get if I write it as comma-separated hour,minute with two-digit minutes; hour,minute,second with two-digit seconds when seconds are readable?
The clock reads 11,02
